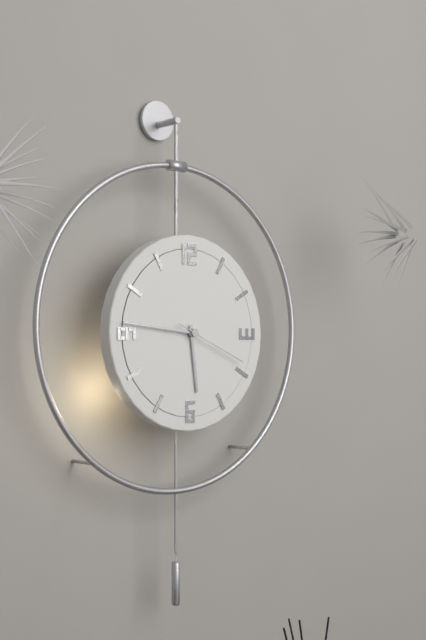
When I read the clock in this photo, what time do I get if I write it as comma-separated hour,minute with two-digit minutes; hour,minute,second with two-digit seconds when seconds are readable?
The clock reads 5,46,19
